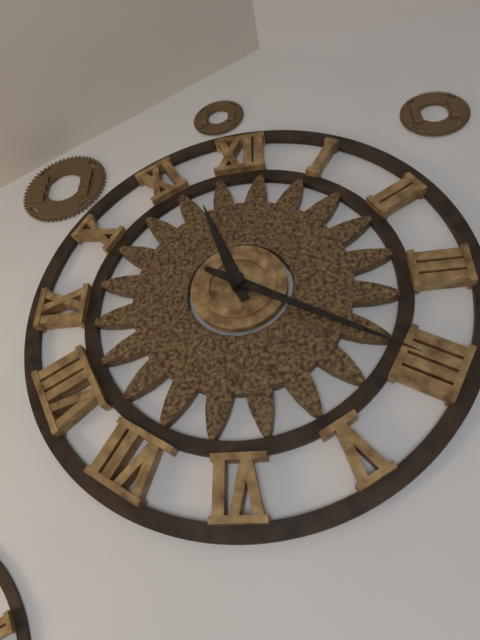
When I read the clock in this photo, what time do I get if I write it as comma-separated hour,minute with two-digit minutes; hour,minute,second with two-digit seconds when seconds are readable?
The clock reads 11,20
